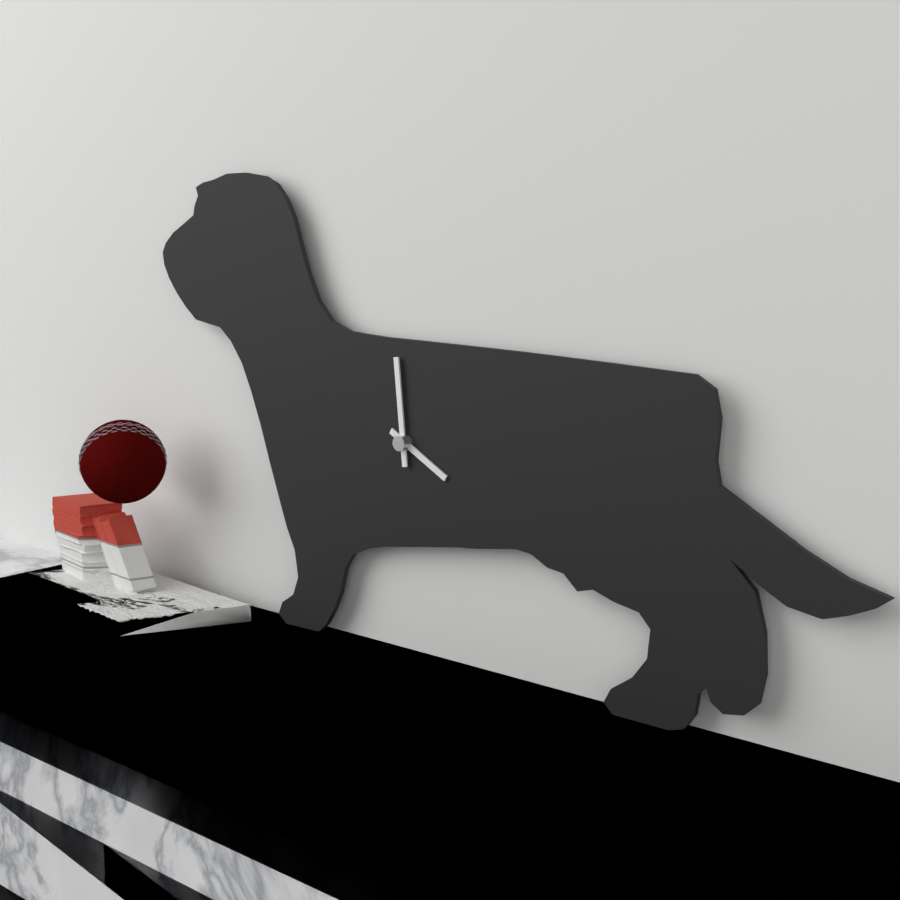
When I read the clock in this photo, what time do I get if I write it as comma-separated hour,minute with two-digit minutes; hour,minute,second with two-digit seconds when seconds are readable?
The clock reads 3,59
